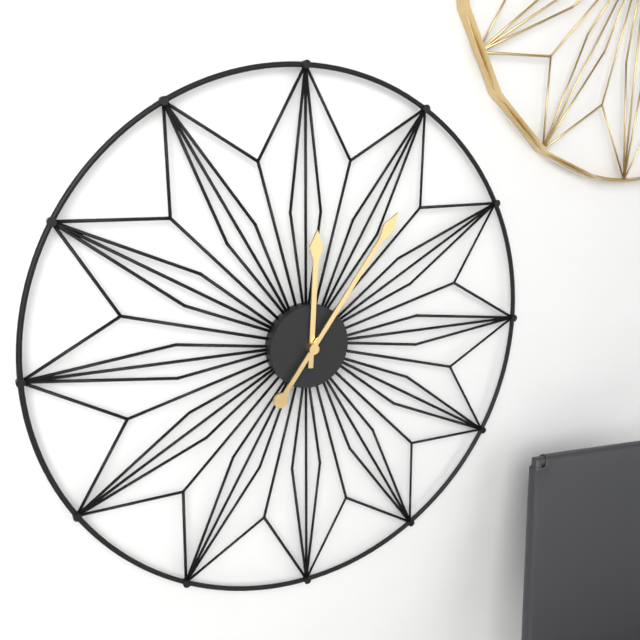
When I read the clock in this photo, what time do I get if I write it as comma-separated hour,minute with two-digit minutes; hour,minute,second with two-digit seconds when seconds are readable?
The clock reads 12,06
